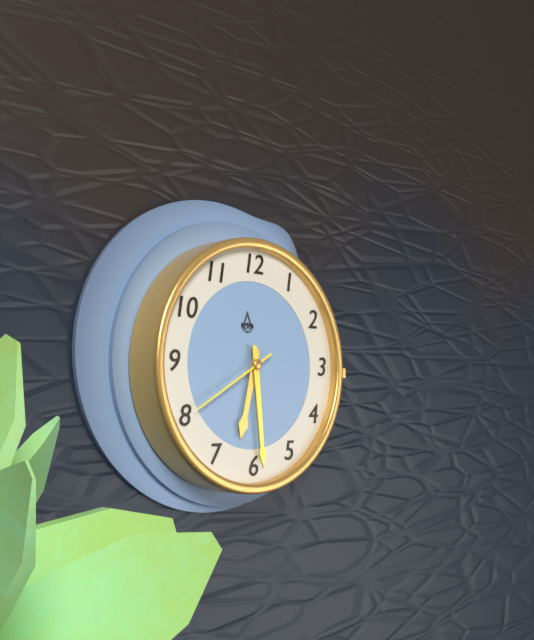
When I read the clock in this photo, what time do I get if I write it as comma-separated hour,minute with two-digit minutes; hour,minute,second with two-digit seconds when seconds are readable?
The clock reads 6,29,40
